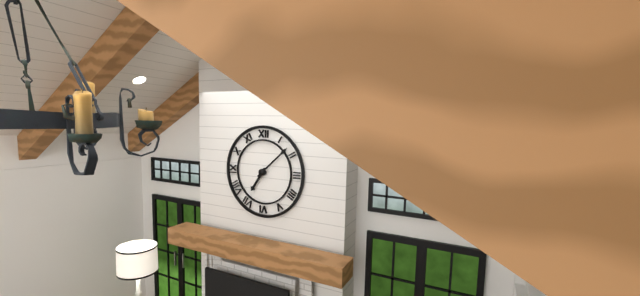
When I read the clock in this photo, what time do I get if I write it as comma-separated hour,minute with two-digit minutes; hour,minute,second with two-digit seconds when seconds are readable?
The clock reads 7,08
